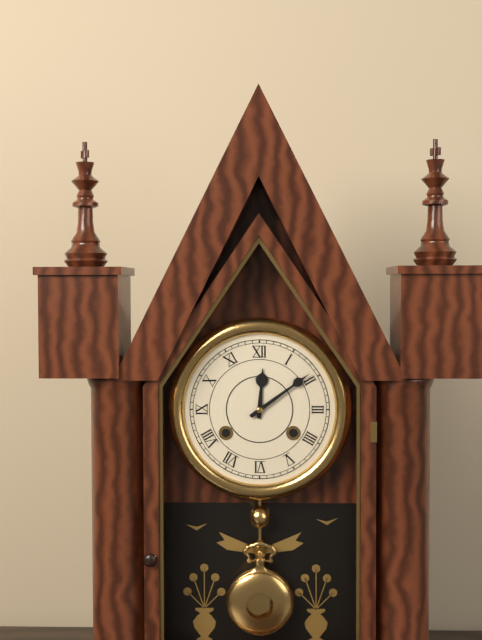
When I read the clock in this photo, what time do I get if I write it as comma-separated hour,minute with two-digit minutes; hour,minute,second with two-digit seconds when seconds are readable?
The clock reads 12,09
